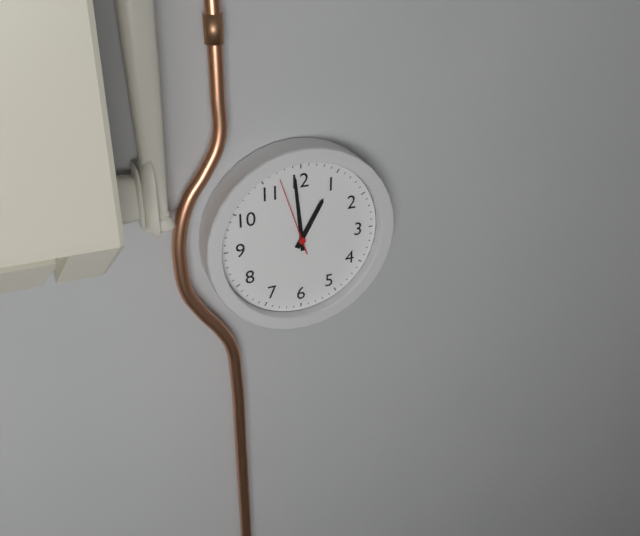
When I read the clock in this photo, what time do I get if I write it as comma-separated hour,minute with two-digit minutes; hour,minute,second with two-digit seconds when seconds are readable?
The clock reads 12,59,57
